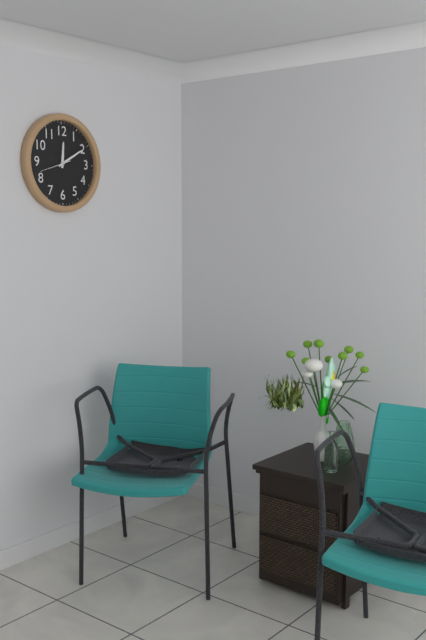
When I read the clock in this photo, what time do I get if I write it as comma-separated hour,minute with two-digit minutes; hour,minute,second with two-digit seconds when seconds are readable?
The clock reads 12,10
